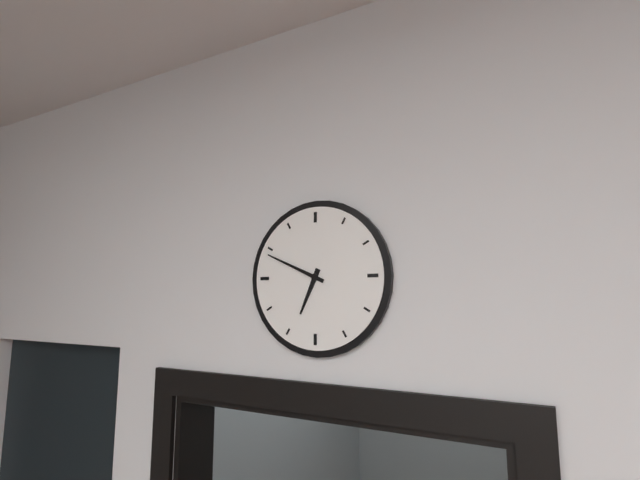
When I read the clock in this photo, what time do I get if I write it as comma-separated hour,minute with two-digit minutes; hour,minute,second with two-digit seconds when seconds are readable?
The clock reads 6,49
